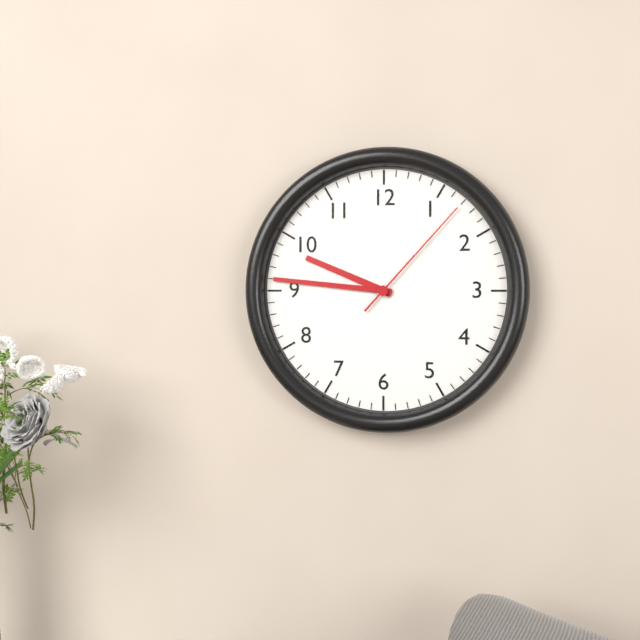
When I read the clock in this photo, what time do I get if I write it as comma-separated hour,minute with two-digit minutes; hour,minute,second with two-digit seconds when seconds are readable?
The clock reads 9,46,07
